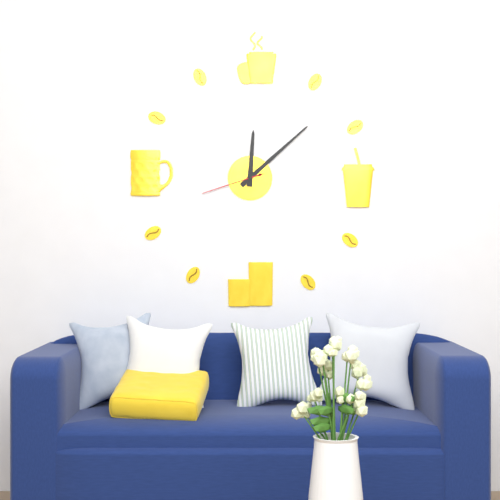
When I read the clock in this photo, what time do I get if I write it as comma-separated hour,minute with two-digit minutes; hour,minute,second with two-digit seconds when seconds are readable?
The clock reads 12,08,42
